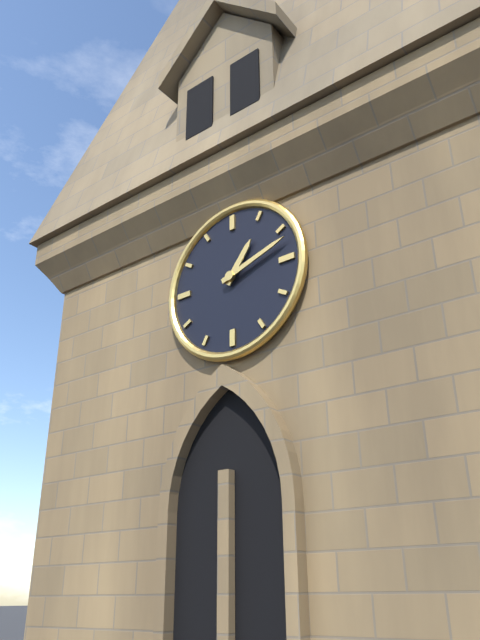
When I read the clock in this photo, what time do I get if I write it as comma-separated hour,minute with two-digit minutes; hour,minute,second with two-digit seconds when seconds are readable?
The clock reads 1,12
